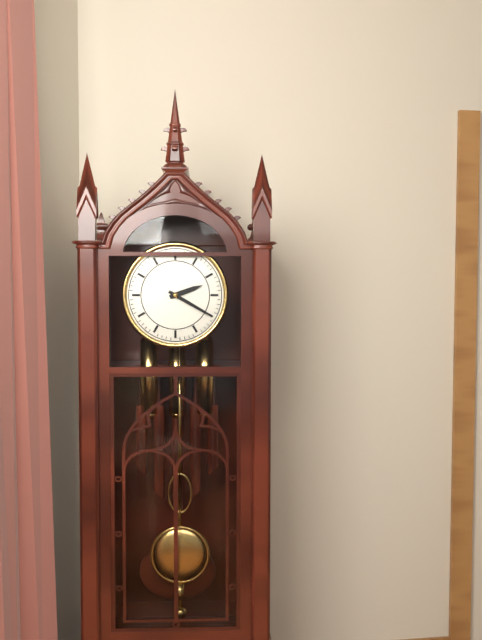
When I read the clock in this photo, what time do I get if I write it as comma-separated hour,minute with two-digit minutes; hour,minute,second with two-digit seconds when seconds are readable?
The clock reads 2,20
